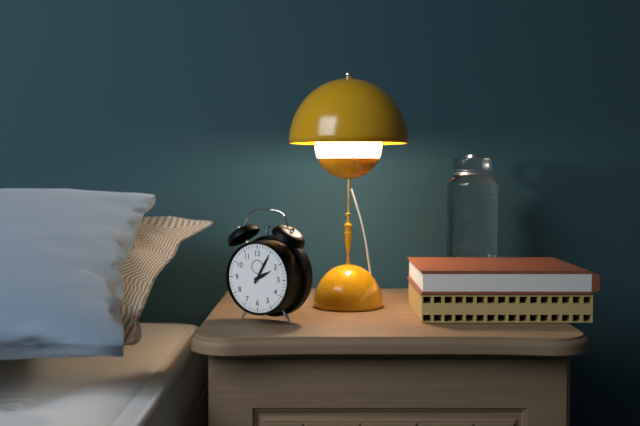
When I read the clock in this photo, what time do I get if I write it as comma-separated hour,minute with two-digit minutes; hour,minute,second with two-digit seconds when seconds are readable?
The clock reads 2,05
